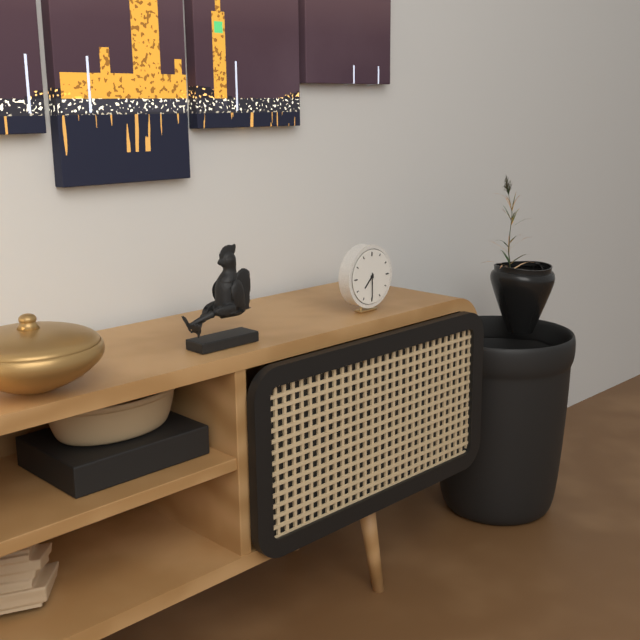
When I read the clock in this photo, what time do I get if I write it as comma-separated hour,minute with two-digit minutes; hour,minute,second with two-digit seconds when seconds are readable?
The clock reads 7,30
